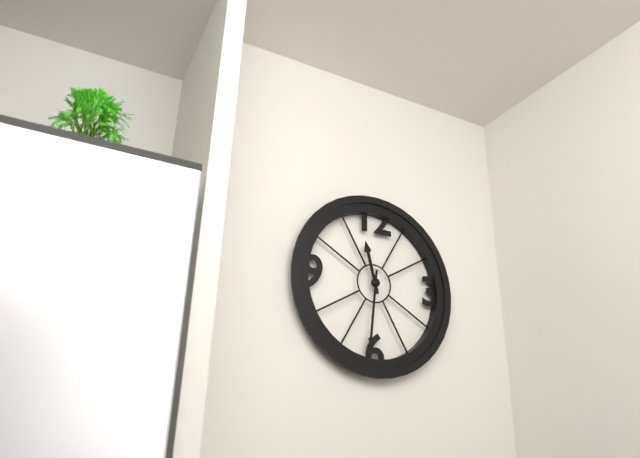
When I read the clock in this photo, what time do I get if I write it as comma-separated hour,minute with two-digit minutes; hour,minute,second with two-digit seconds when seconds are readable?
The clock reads 11,31
